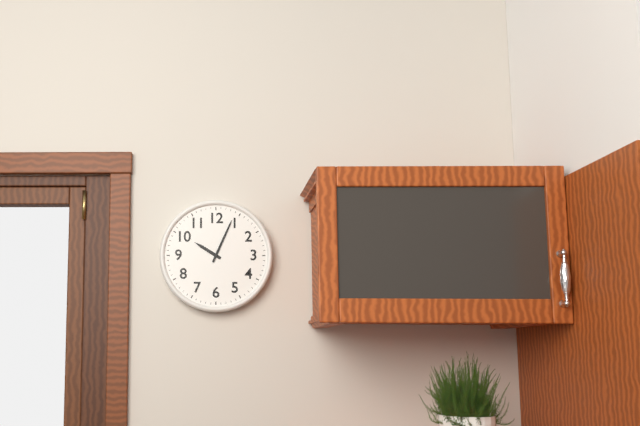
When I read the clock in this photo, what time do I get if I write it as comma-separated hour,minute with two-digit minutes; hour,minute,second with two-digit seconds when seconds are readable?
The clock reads 10,04
